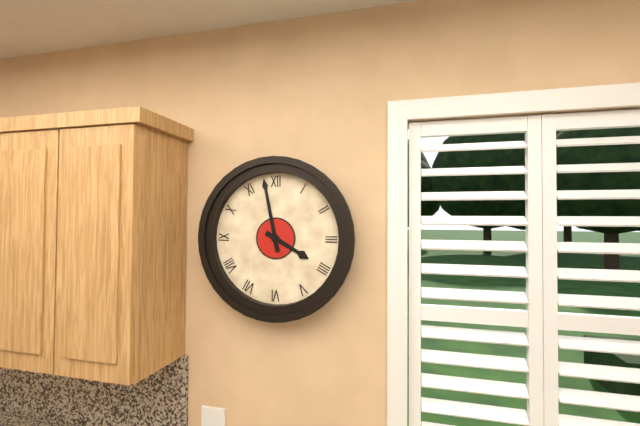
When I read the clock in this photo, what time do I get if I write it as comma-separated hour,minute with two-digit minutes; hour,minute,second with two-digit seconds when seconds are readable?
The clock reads 3,58
